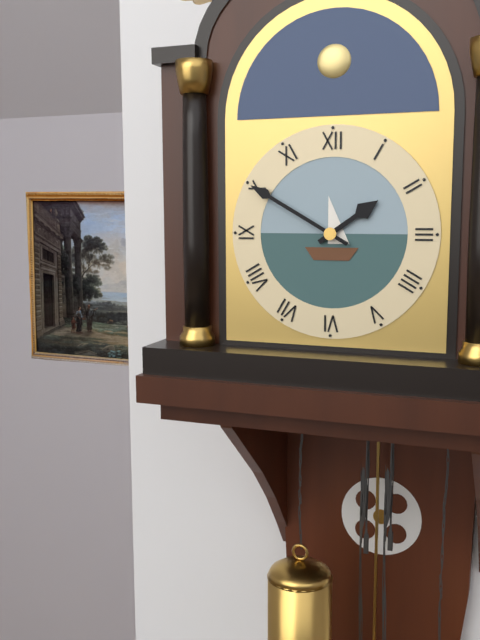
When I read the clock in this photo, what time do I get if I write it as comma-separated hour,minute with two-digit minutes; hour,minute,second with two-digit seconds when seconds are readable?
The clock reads 1,50
